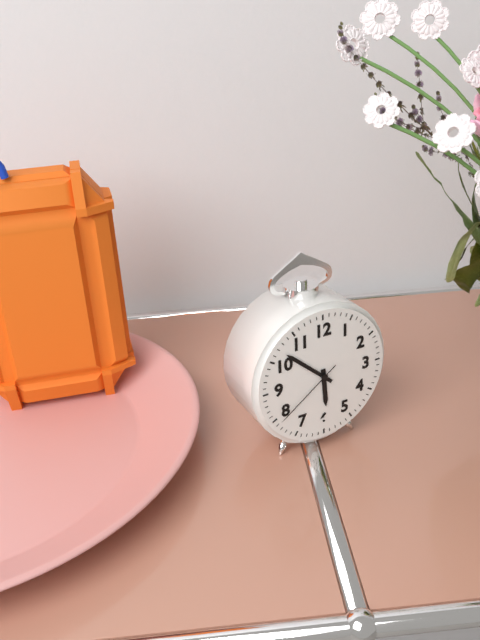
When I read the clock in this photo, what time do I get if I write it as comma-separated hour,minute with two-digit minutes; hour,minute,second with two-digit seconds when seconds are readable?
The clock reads 5,52,39
